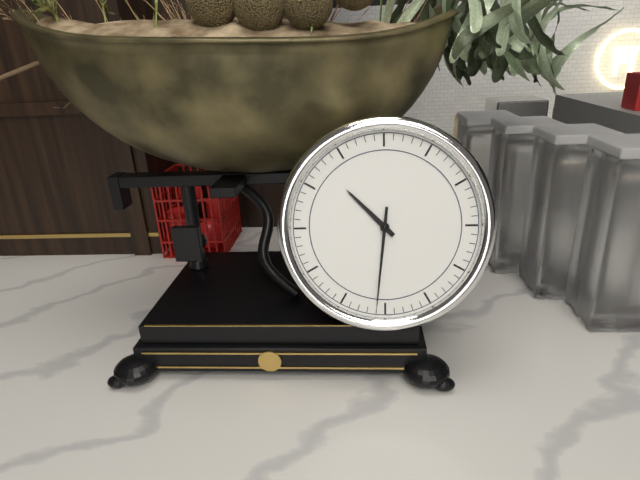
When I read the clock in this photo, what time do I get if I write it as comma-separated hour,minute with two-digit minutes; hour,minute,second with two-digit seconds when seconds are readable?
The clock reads 10,31
